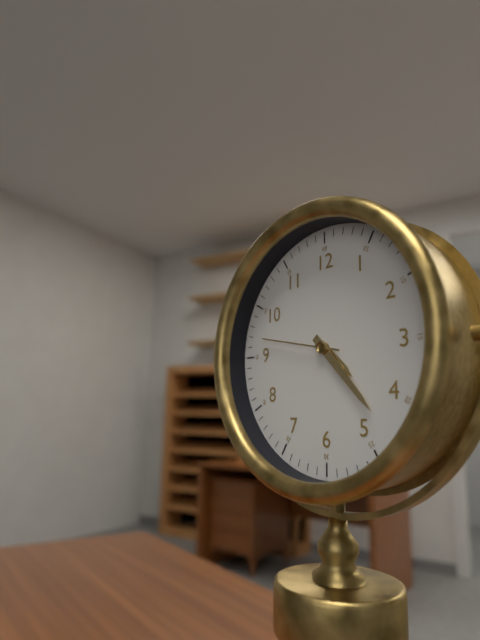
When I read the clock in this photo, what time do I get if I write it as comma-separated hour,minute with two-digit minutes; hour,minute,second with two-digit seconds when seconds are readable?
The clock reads 4,23,47
